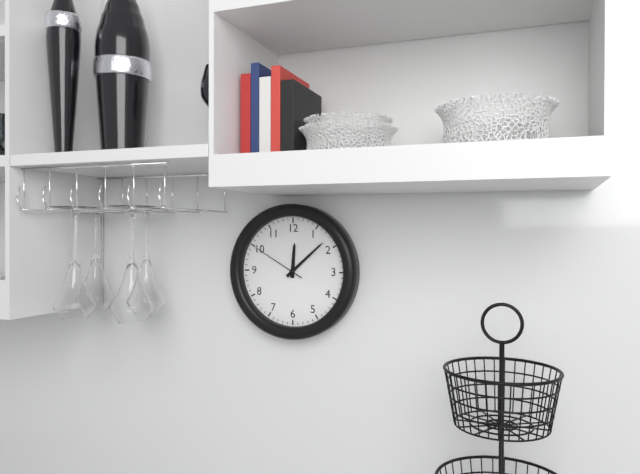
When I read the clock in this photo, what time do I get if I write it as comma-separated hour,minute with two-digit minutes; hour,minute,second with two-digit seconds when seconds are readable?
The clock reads 12,08,50
